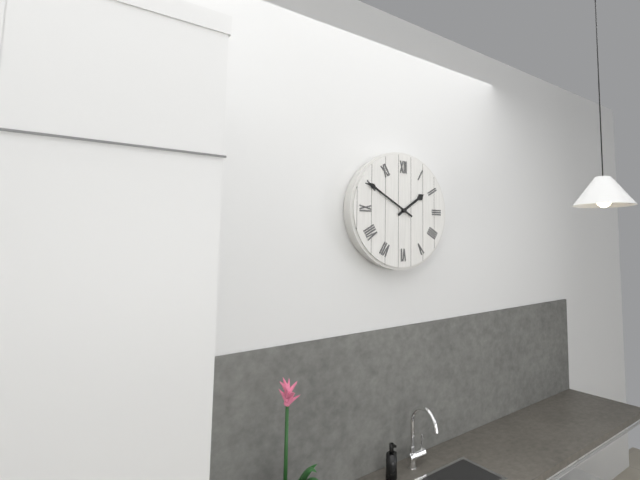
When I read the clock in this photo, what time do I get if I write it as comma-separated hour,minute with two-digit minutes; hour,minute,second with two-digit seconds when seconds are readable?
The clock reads 1,50
